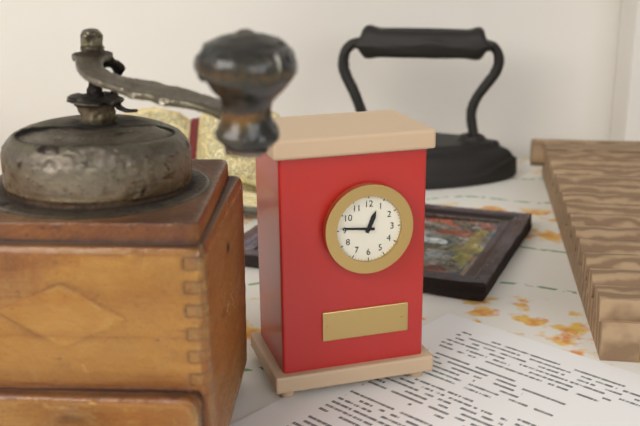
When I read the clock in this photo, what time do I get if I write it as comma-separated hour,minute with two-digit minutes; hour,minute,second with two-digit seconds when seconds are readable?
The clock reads 12,46
